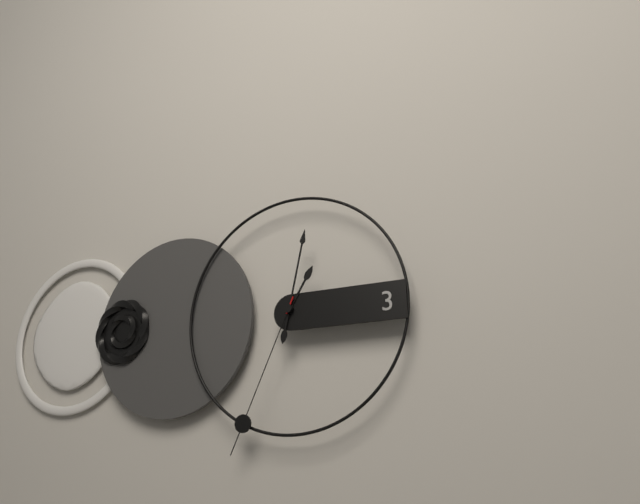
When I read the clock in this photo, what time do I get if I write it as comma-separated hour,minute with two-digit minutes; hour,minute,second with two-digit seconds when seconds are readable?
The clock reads 1,02,34
